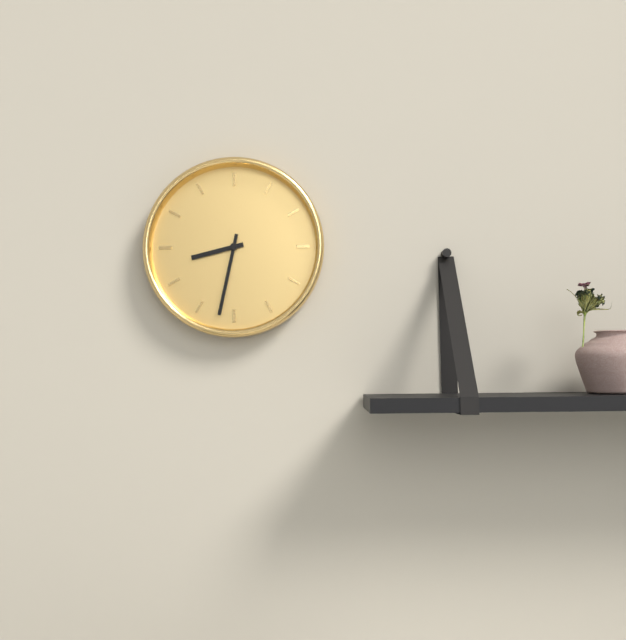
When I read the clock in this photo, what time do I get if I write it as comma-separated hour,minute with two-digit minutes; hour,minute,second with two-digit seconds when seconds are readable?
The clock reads 8,32
